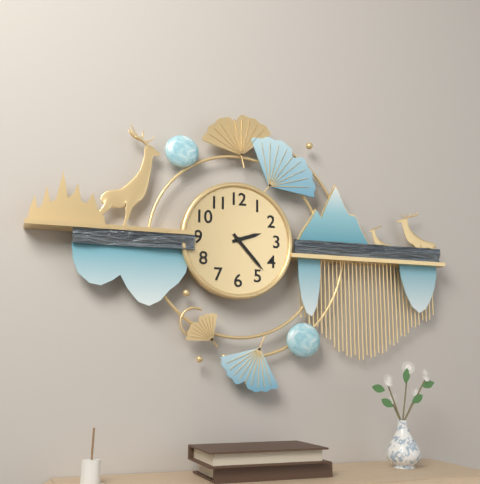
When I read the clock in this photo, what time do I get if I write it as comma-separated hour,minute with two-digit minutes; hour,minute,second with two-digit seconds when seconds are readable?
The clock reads 2,23
